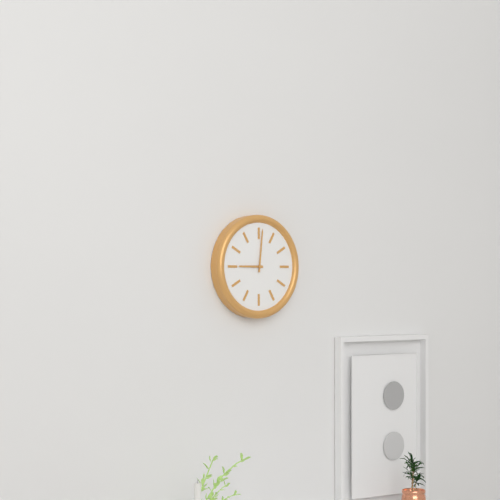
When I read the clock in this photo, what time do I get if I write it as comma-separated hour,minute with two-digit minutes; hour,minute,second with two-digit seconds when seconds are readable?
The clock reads 9,01
